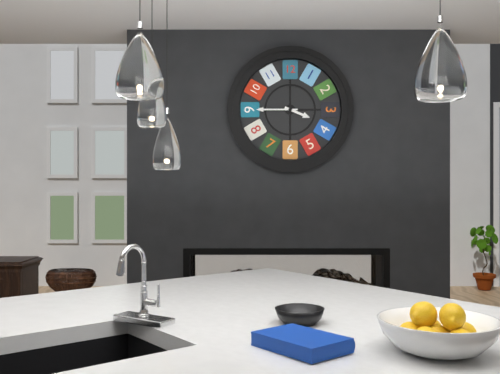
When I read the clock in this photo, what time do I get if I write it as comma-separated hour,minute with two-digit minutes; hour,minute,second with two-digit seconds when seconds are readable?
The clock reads 3,45
